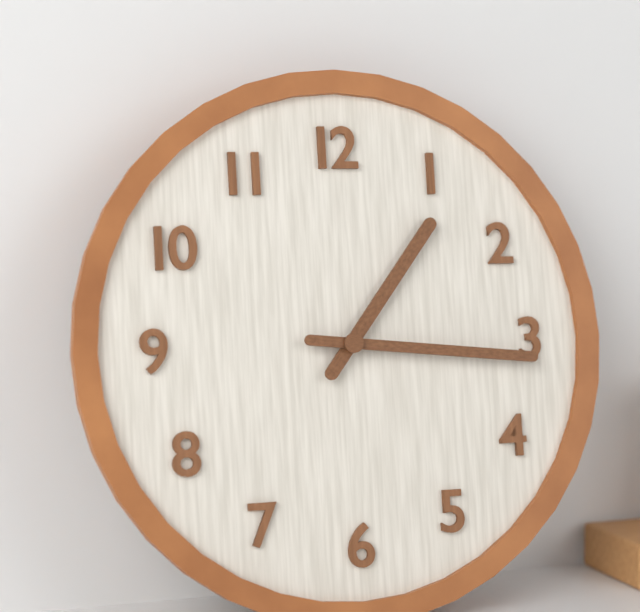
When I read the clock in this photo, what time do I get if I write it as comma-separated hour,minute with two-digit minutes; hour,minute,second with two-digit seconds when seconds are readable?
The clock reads 1,16
